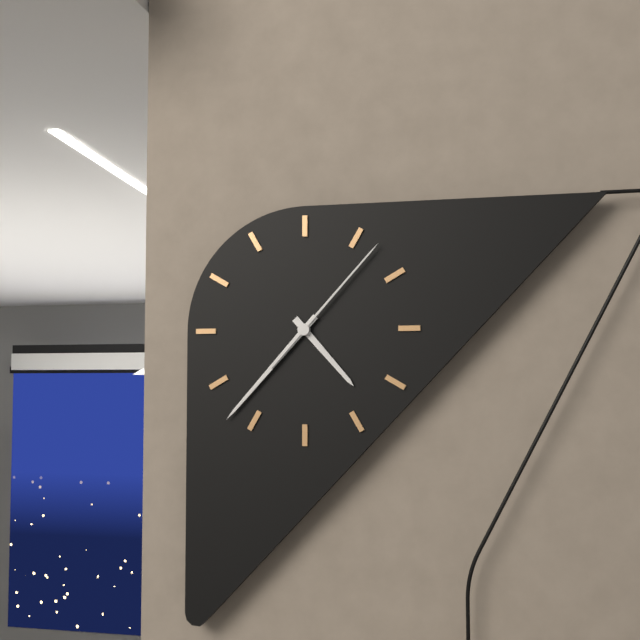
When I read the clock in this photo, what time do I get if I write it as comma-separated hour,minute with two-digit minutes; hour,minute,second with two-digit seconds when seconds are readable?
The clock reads 4,37,07
